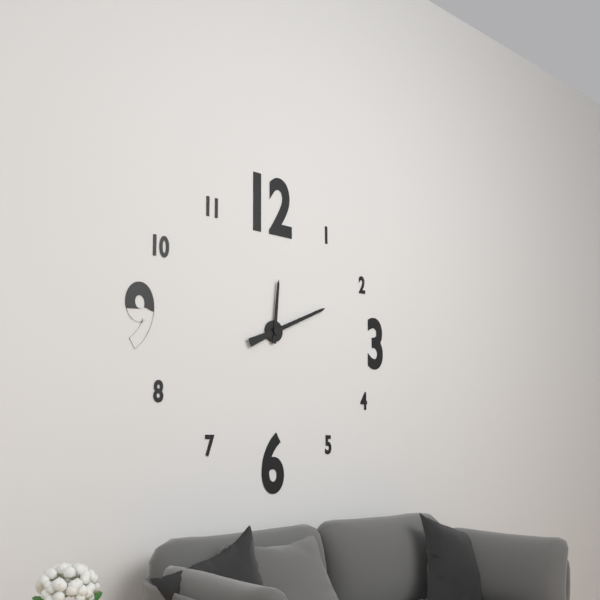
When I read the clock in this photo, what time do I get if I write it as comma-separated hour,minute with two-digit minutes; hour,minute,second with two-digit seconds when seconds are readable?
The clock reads 12,11
